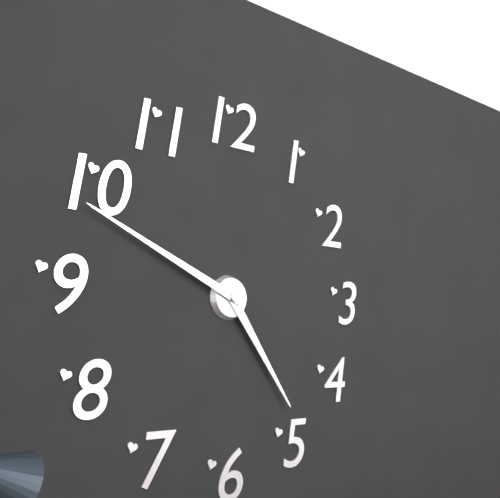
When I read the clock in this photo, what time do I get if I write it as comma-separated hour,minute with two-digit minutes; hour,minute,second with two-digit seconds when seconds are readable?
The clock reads 4,49
